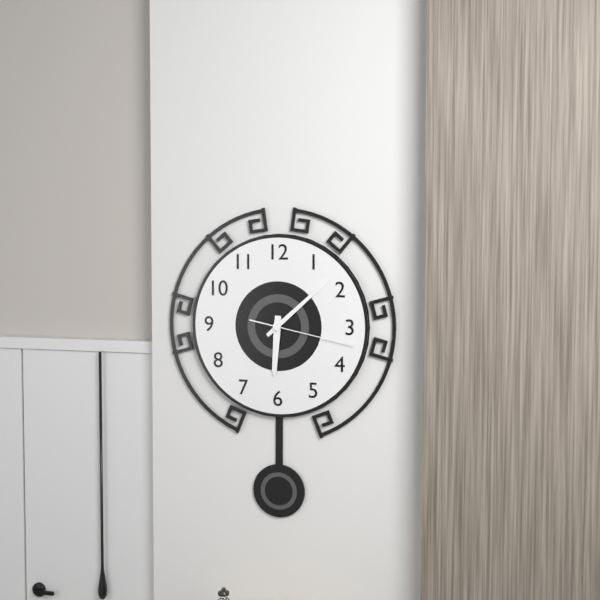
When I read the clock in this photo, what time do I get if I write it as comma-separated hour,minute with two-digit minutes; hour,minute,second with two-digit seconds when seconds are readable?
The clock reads 6,08,17
